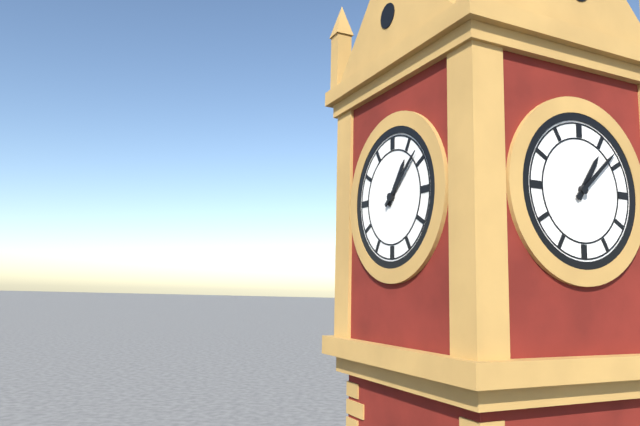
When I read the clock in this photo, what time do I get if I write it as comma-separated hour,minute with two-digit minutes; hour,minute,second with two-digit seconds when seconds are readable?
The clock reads 1,08
